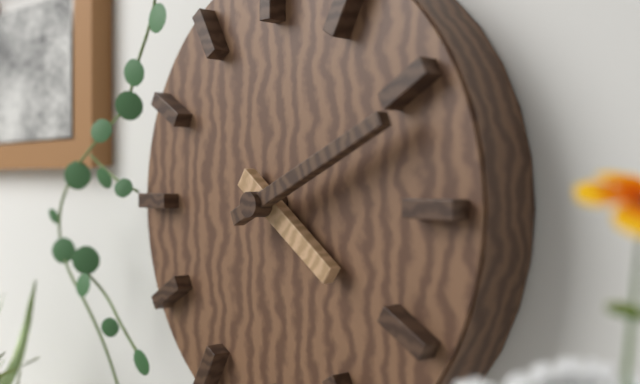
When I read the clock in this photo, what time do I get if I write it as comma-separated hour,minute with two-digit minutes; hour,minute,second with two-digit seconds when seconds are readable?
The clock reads 4,11
